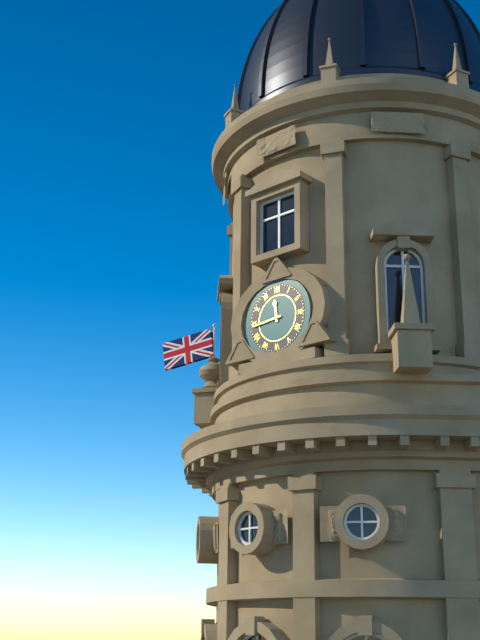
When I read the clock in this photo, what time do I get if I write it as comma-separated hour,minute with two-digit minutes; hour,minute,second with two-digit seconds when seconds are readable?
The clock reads 11,44
